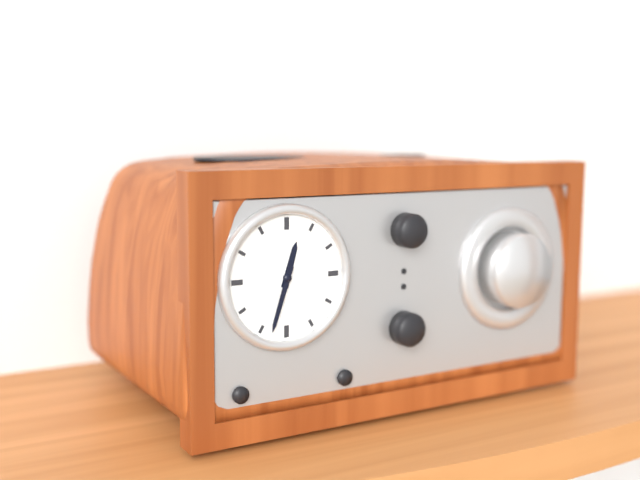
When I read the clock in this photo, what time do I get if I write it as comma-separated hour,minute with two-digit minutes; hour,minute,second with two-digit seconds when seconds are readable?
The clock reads 12,33
